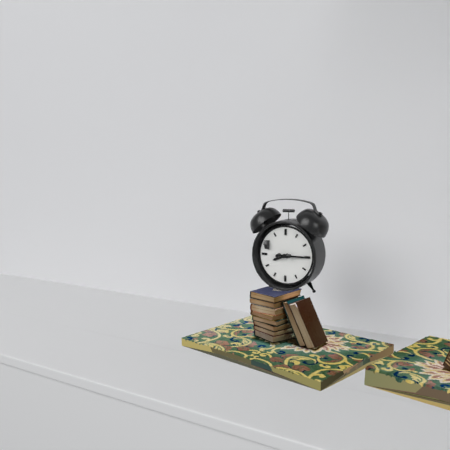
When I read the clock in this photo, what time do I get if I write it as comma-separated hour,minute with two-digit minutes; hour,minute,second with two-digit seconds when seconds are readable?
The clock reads 8,15
